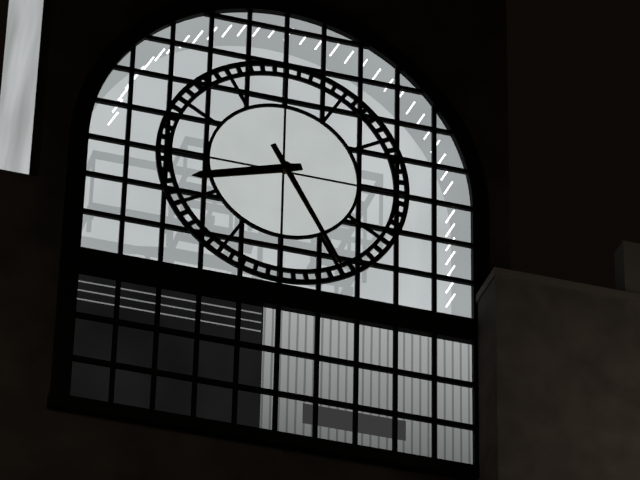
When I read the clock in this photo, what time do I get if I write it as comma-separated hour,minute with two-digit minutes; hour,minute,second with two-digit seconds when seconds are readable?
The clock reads 8,25
